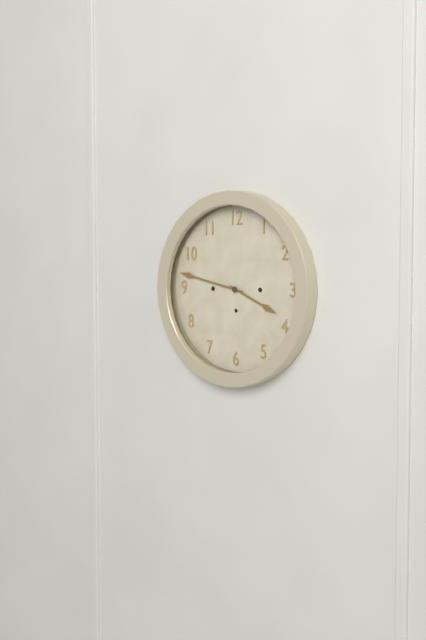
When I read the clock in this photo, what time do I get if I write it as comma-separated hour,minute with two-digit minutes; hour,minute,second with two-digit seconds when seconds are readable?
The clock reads 3,47
